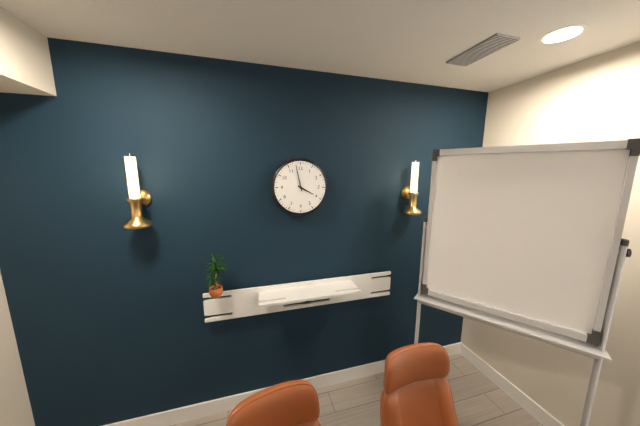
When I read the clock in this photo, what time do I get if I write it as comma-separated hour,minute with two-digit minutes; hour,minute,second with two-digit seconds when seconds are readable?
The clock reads 3,58
